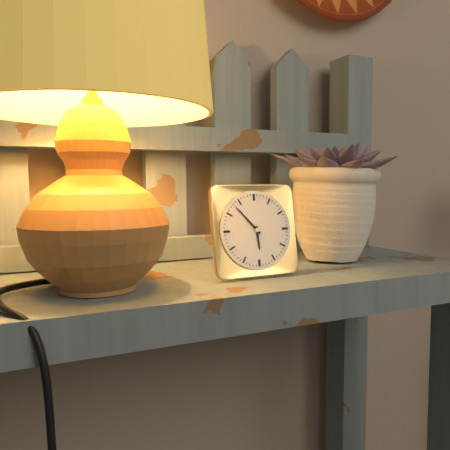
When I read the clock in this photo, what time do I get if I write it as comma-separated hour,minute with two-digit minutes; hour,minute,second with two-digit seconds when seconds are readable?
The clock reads 5,53
